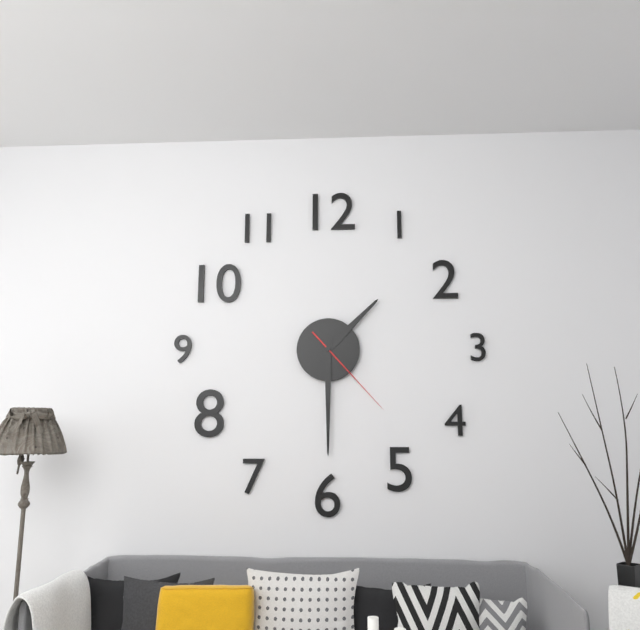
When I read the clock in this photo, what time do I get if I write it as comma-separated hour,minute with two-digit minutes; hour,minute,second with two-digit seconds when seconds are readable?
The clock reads 1,30,23
